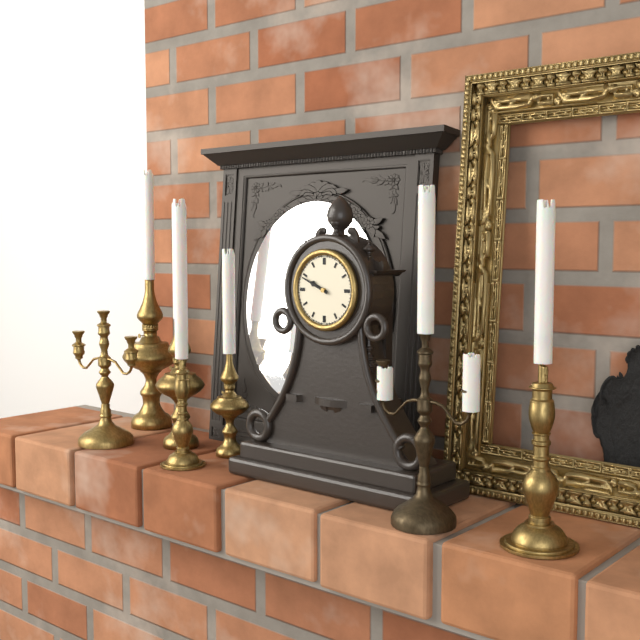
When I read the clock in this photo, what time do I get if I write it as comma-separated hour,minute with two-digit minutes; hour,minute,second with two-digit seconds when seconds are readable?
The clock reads 9,49
